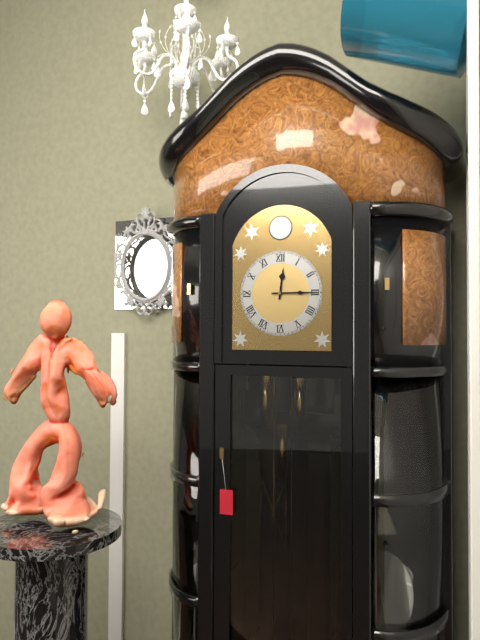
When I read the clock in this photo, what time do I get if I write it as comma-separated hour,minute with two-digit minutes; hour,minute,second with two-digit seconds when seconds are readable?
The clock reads 12,15
